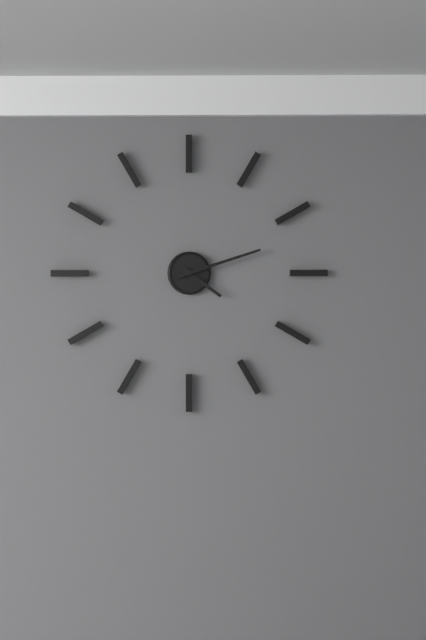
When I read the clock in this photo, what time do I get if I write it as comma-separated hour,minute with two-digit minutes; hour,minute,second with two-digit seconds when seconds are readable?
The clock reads 4,12
